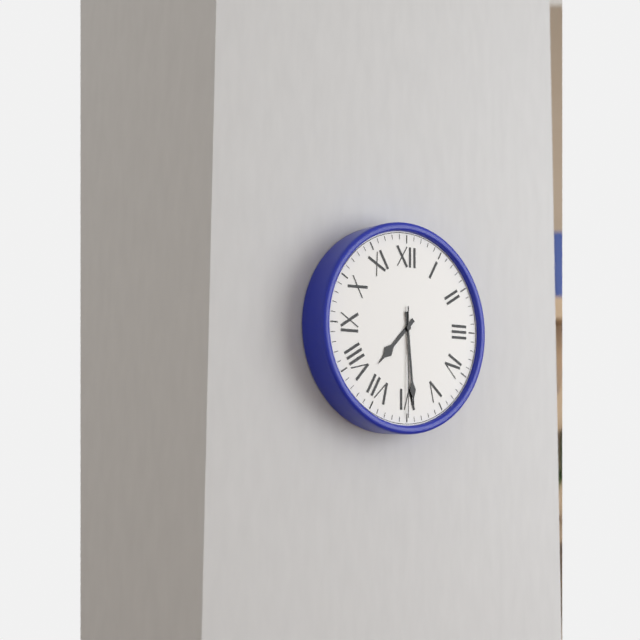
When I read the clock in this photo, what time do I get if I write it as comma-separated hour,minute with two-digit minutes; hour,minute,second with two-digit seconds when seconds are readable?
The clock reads 7,29,30
